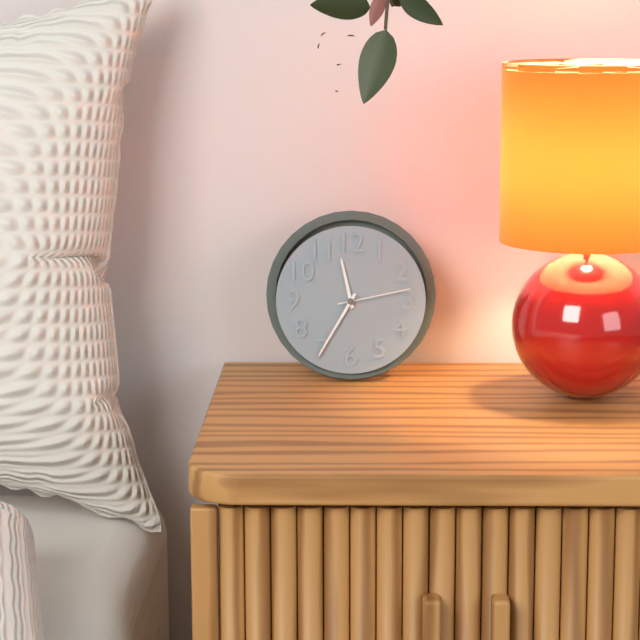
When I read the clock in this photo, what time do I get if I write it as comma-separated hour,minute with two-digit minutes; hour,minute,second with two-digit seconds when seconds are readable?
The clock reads 11,35,13
